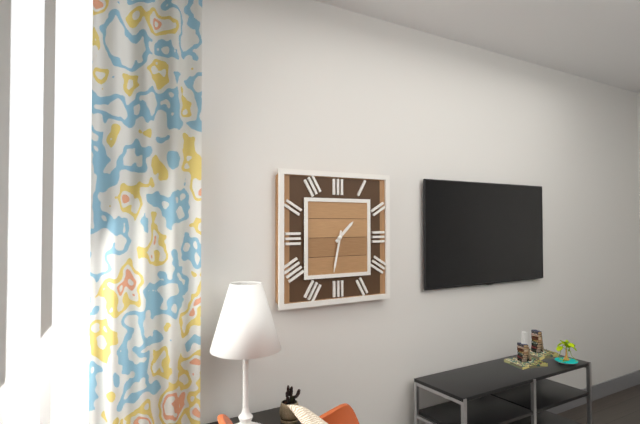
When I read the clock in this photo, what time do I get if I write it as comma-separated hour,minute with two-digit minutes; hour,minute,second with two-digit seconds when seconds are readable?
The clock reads 1,32
